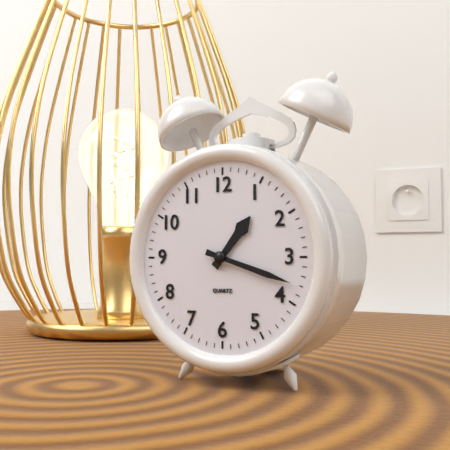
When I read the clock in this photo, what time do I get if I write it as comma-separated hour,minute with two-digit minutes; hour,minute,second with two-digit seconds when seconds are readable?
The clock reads 1,18
